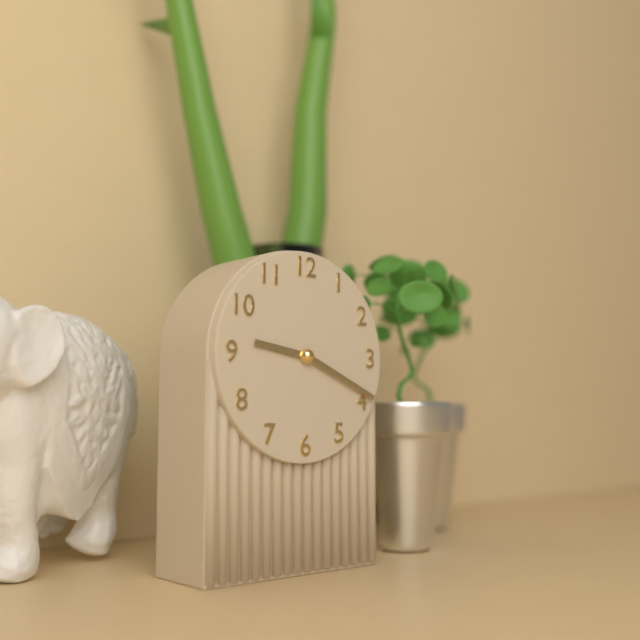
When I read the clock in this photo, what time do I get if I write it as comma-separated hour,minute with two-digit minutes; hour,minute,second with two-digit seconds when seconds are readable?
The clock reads 9,19
